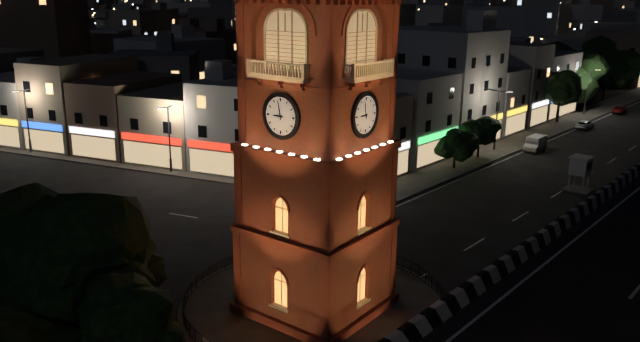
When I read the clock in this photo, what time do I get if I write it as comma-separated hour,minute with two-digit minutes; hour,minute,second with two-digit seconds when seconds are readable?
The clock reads 8,58
